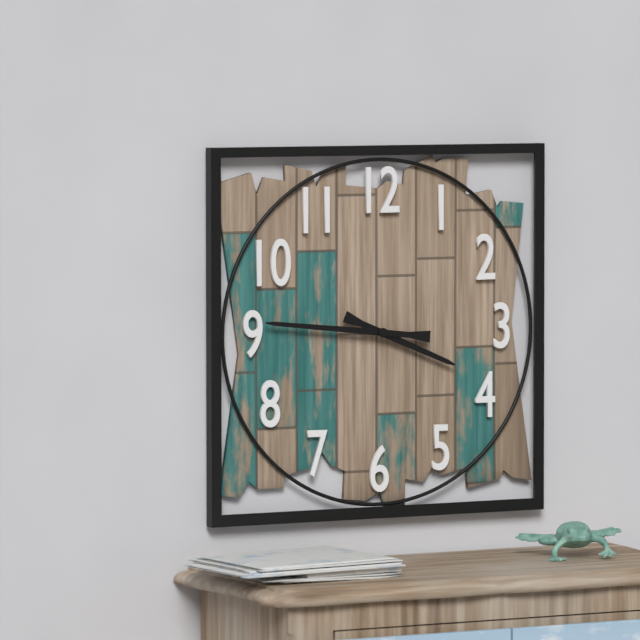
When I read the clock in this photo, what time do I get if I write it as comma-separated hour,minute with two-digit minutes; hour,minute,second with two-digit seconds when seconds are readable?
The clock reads 3,46
